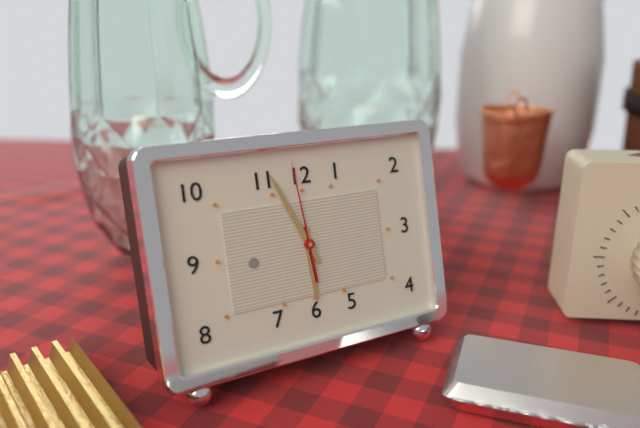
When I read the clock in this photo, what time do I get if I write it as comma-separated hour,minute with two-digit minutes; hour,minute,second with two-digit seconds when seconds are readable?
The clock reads 5,56,59
